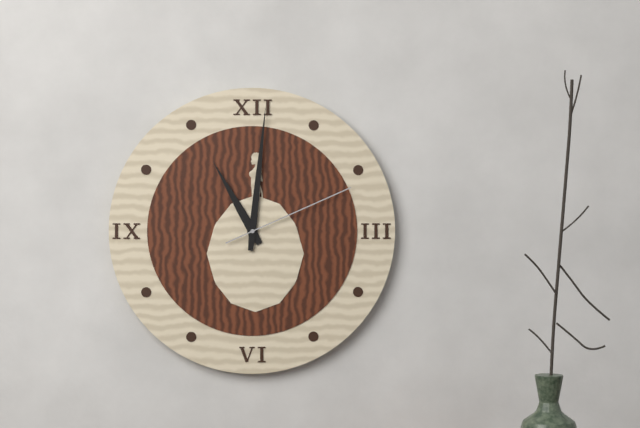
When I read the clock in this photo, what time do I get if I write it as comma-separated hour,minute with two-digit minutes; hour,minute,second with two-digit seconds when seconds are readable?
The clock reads 11,01,11
